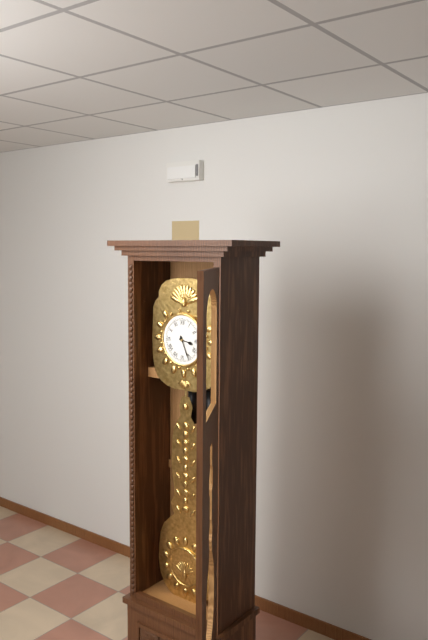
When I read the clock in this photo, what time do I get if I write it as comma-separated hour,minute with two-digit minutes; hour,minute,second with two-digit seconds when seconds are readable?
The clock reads 3,26
